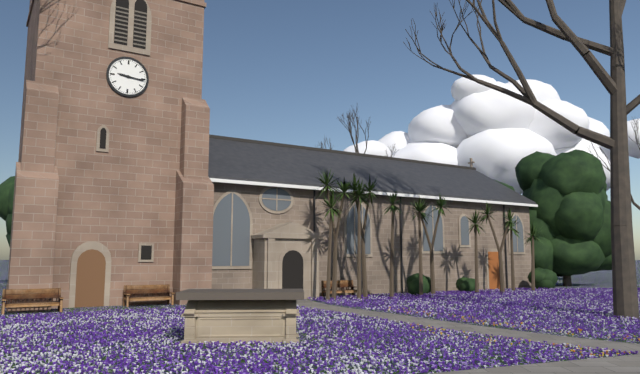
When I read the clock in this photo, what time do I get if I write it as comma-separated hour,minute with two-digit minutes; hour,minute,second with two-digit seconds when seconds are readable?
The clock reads 9,16
